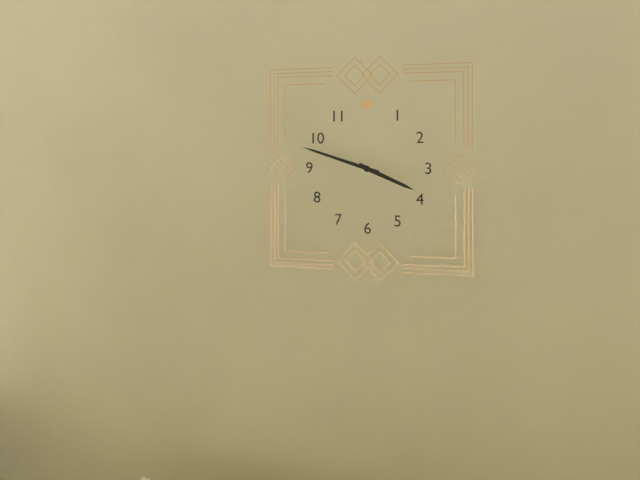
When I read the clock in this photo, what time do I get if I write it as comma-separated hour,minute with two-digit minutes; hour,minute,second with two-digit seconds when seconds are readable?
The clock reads 3,48
